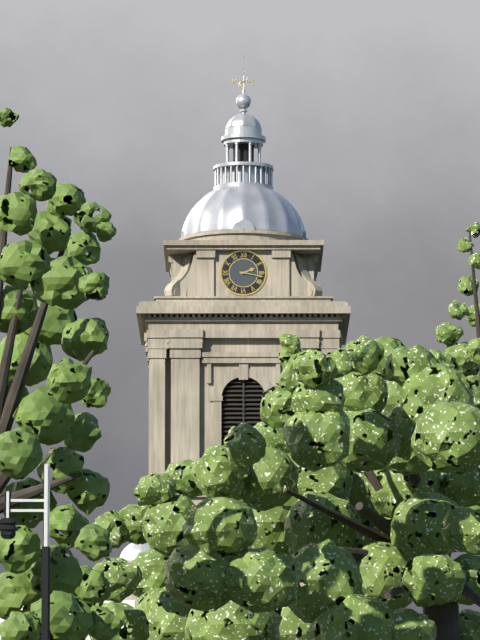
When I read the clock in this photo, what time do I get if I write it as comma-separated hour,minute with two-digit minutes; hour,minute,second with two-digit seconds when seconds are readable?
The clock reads 2,17
